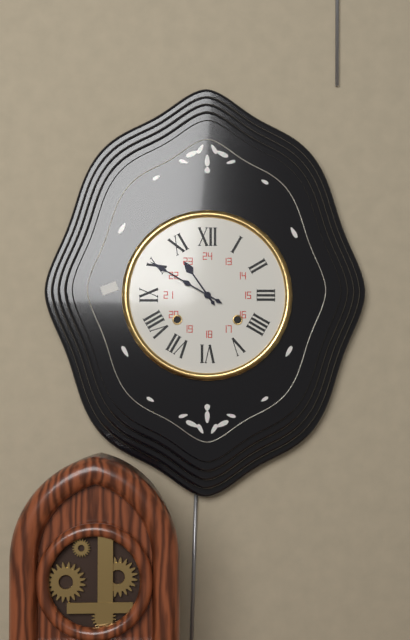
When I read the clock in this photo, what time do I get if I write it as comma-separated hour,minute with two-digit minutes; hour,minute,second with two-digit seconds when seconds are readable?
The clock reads 10,50
